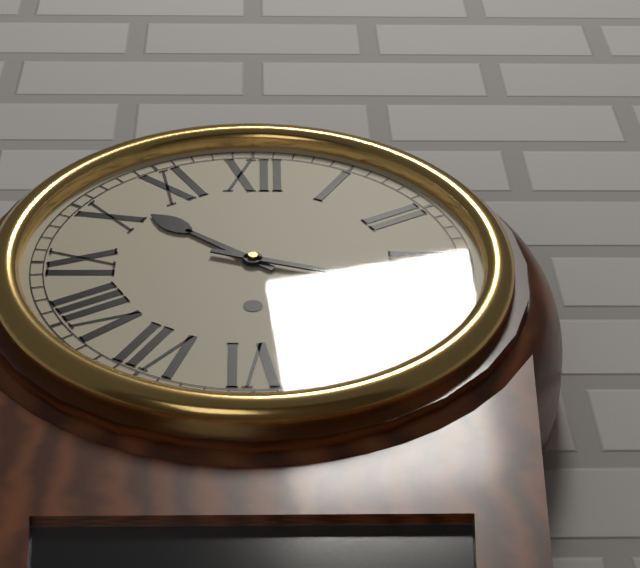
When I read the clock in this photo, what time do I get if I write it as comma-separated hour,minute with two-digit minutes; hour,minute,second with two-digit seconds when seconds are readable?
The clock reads 10,18
